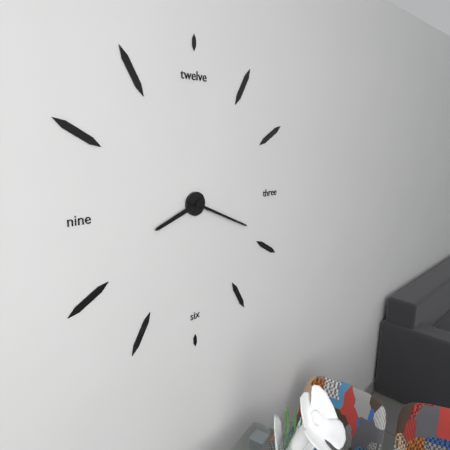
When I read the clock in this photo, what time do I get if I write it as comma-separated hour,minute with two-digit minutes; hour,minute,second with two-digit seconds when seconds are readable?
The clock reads 8,19
